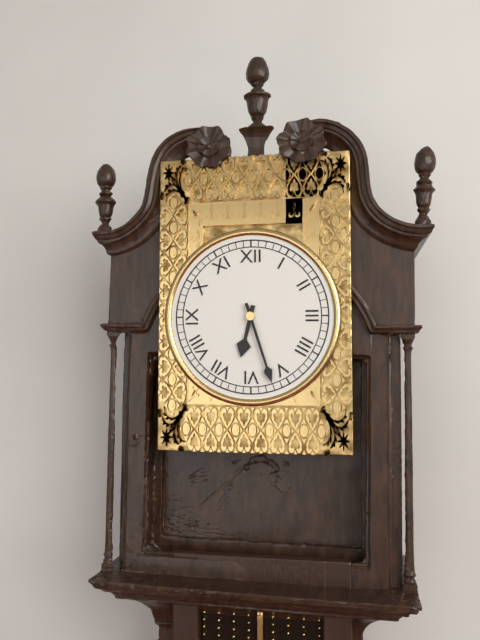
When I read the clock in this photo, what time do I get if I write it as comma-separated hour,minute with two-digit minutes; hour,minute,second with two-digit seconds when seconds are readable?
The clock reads 6,27
